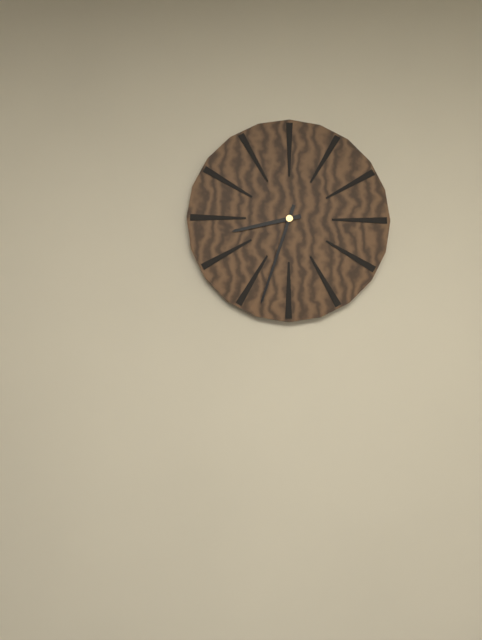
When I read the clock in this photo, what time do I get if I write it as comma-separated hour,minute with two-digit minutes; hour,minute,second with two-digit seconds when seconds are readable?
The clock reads 8,33
